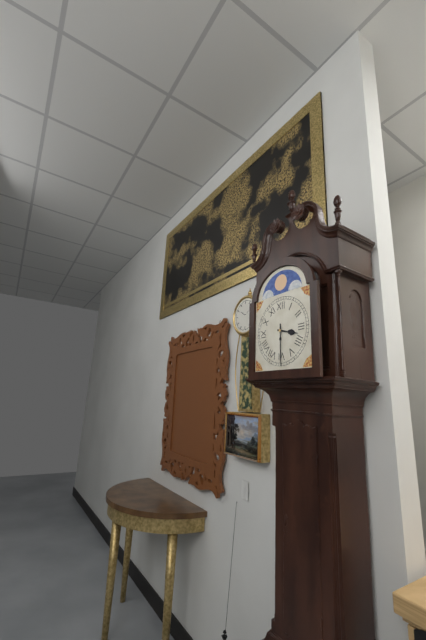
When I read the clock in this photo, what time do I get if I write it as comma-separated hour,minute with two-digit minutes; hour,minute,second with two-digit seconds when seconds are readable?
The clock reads 3,30
